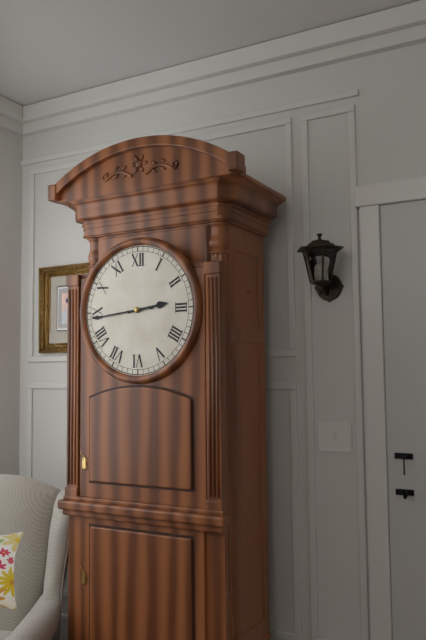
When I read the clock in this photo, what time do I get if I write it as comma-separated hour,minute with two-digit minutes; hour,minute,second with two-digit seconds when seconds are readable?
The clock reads 2,44
